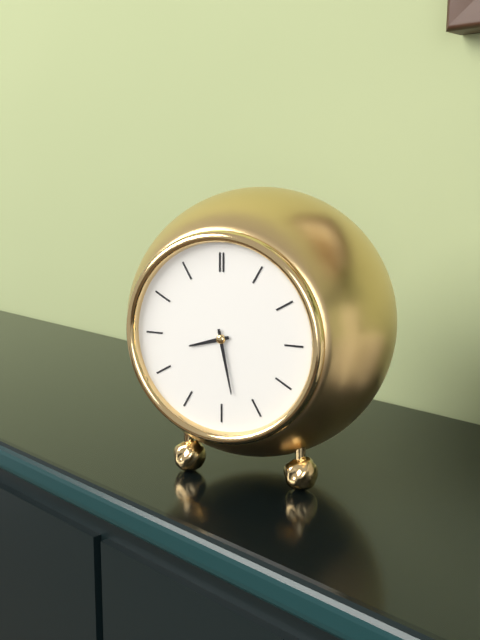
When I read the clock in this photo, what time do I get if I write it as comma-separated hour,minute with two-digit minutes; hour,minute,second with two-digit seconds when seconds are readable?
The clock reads 8,28
